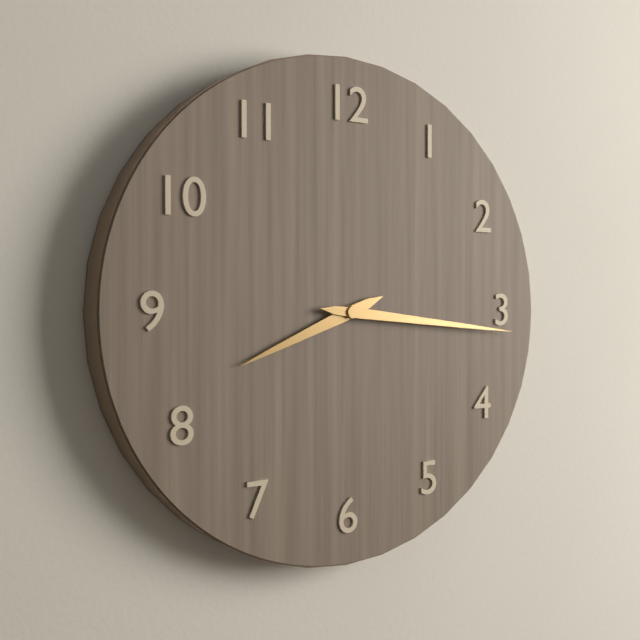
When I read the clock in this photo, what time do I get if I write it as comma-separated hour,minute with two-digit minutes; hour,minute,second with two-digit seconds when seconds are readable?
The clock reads 8,16
